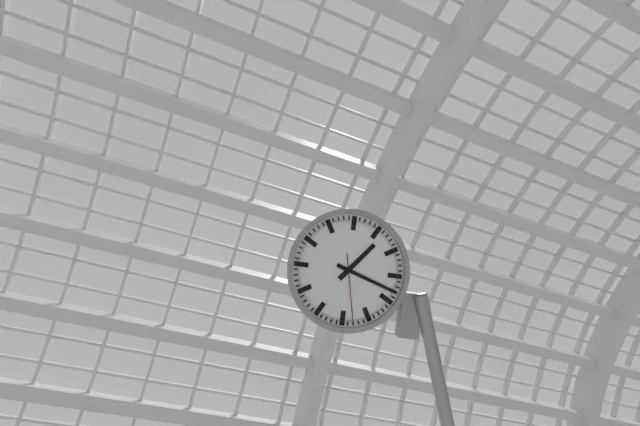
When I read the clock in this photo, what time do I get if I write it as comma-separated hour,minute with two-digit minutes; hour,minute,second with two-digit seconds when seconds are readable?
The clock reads 1,18,28
